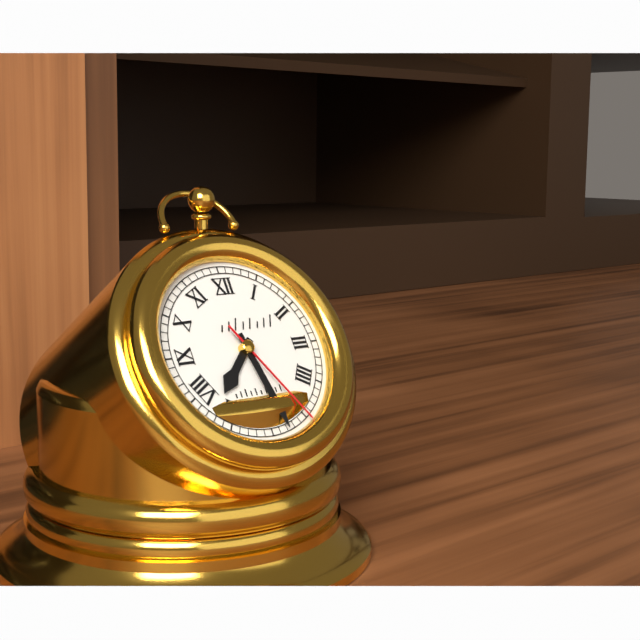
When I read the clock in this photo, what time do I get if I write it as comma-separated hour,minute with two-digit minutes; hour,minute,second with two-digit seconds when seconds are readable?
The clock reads 7,28,25
